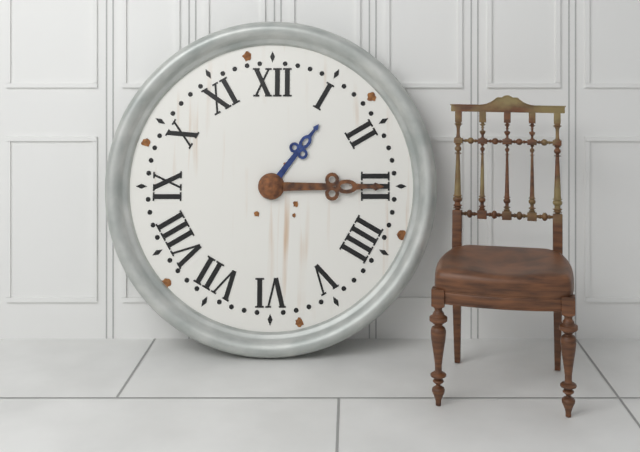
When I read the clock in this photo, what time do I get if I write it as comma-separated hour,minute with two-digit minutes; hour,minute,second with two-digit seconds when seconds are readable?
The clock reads 1,15
